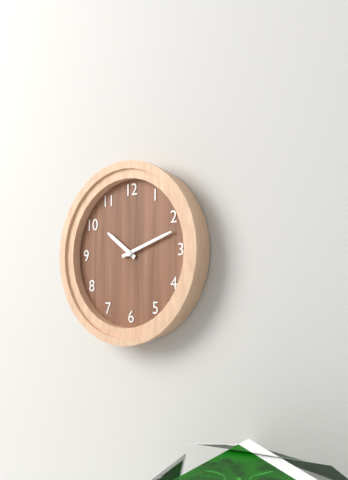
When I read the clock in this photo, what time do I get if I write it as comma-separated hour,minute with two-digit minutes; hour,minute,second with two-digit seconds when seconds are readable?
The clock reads 10,12
